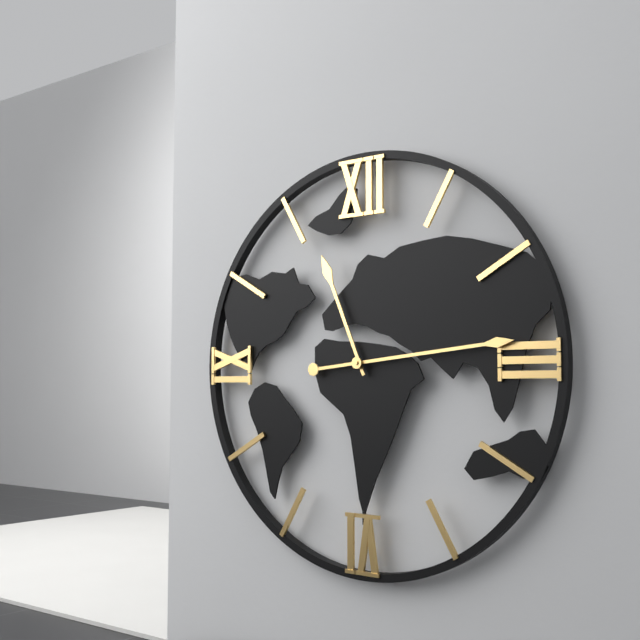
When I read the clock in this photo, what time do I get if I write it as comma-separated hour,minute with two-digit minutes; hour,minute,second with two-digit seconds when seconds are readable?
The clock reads 11,14
